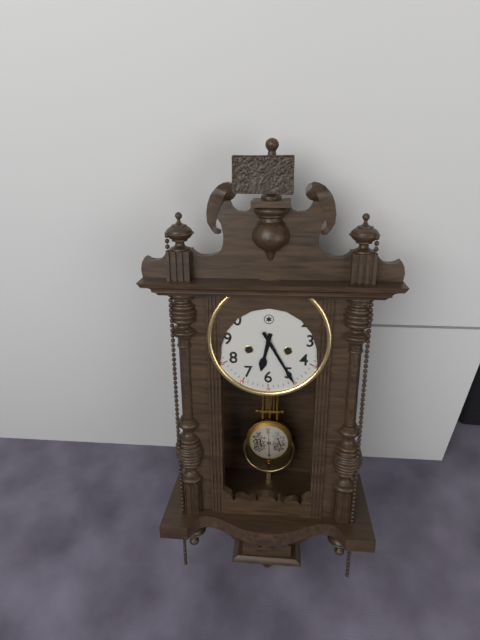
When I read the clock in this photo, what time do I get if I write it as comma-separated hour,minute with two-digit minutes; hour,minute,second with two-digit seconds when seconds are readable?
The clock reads 6,25
